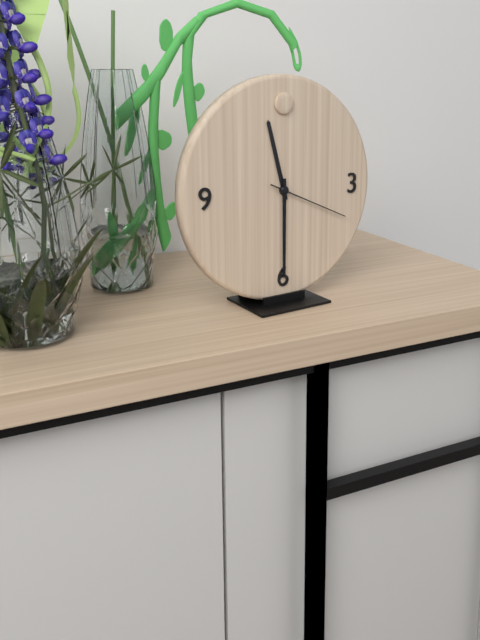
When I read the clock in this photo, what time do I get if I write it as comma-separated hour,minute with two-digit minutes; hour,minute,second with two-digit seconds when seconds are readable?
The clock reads 11,30,19
